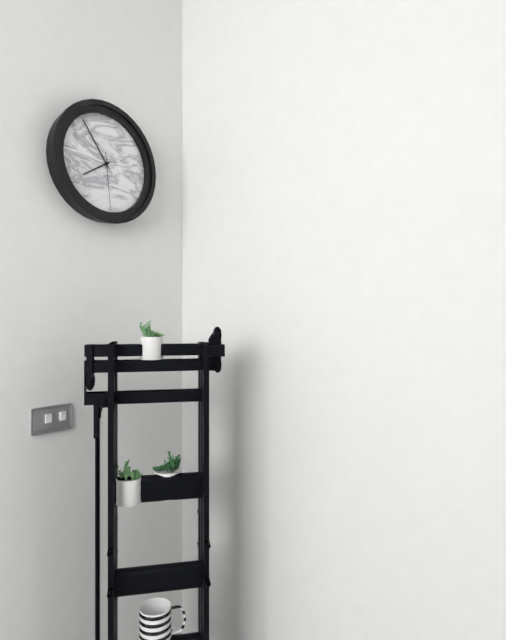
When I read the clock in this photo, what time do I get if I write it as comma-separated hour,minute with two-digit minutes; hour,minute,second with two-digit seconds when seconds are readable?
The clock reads 7,54,29
